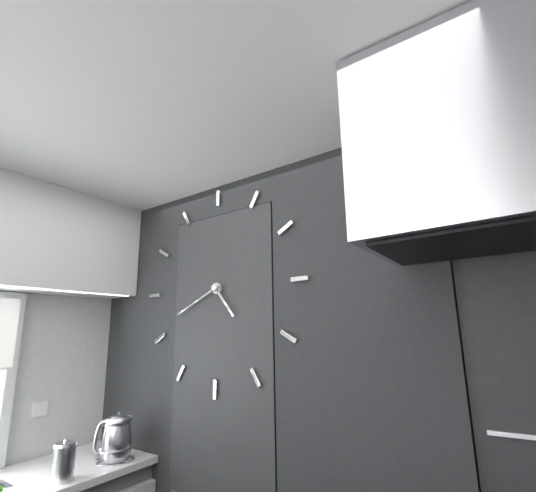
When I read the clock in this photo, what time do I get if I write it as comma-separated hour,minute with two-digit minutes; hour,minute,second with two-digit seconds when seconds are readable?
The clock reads 4,41
